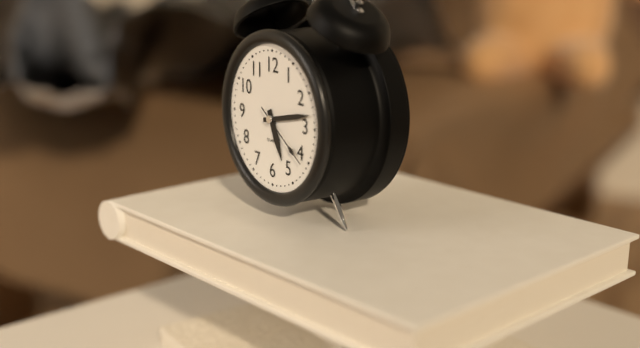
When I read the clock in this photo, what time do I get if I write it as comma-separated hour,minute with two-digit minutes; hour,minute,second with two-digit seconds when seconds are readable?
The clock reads 5,13,21
